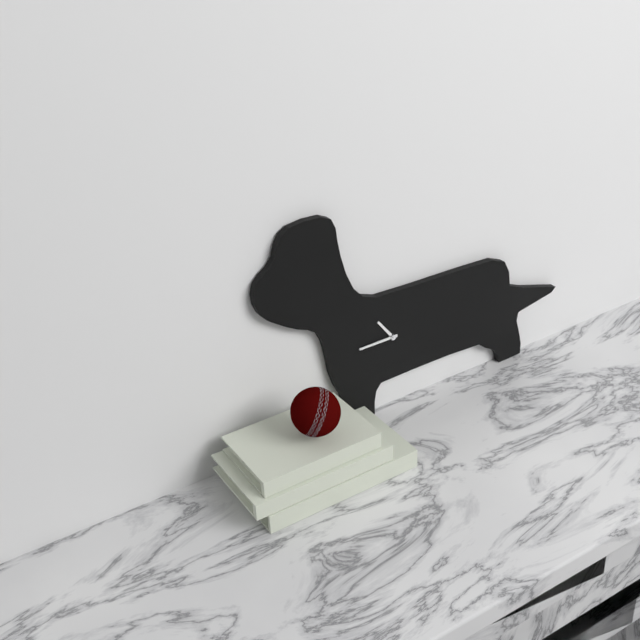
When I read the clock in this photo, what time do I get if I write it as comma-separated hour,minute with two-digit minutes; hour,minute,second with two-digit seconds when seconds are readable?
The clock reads 10,45
